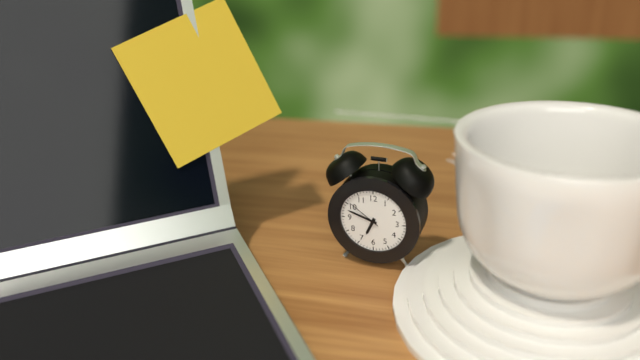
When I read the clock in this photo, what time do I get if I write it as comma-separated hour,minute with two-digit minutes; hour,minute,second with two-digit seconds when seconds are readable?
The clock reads 6,48
